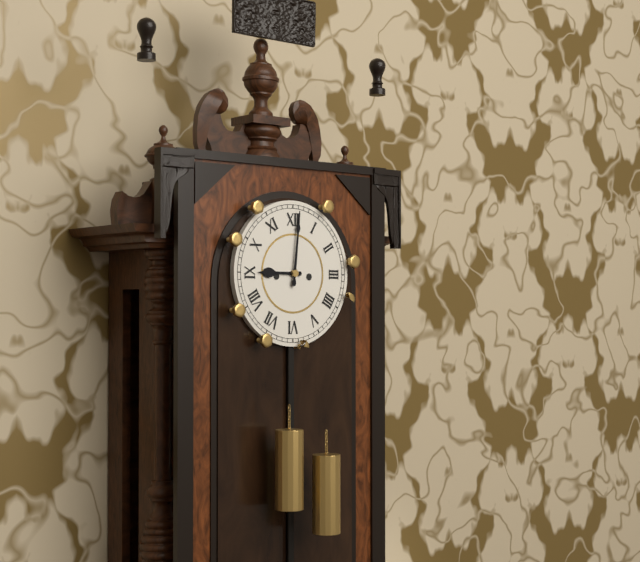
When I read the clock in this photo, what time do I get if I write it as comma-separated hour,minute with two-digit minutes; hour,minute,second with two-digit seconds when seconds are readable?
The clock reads 9,01
